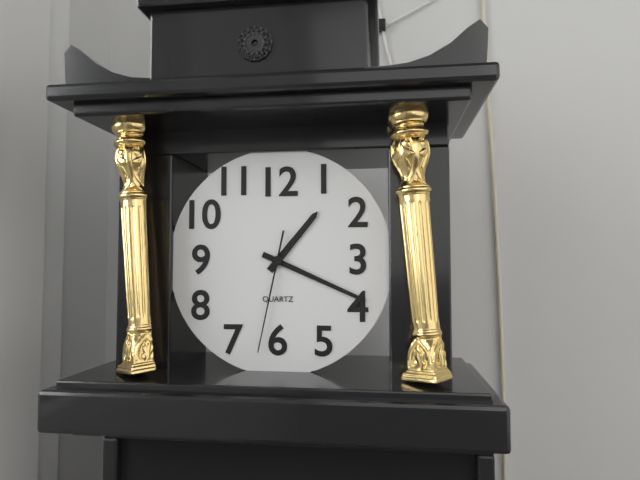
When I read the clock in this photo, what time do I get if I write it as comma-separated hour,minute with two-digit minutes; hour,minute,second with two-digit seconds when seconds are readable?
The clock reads 1,19,32
